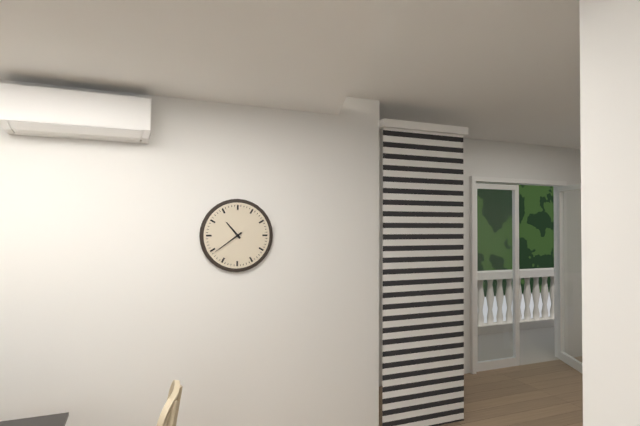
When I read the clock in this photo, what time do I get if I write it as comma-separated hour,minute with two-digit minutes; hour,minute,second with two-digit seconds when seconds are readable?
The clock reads 10,39
